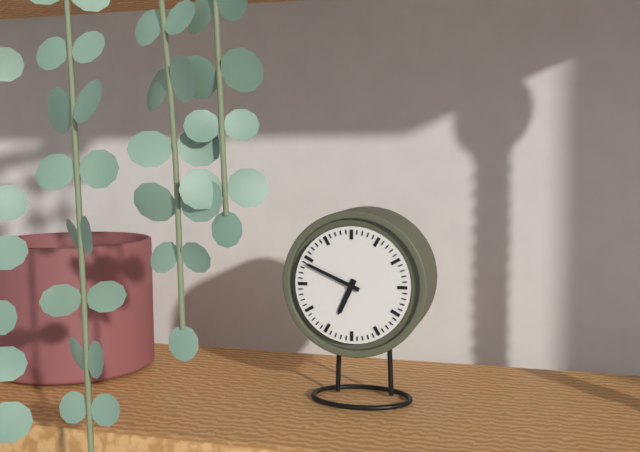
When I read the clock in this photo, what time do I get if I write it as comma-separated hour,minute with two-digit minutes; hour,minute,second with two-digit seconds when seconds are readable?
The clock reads 6,49
